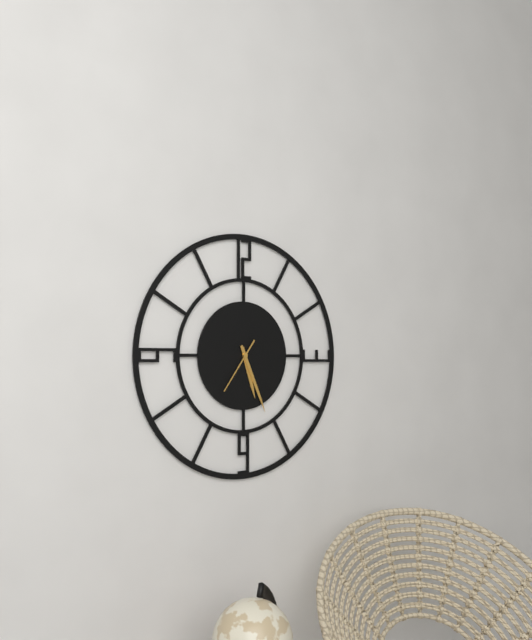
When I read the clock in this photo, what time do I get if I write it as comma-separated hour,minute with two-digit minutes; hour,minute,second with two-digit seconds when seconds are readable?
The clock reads 5,26,36
